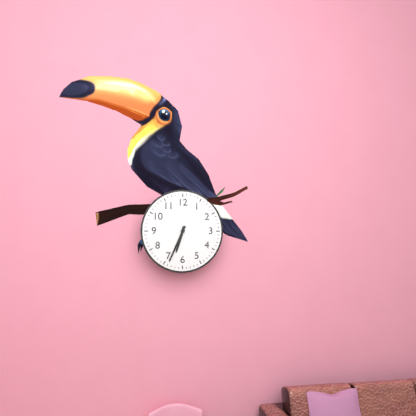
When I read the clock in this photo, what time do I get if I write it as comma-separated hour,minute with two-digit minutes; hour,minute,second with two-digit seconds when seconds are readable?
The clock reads 6,34
